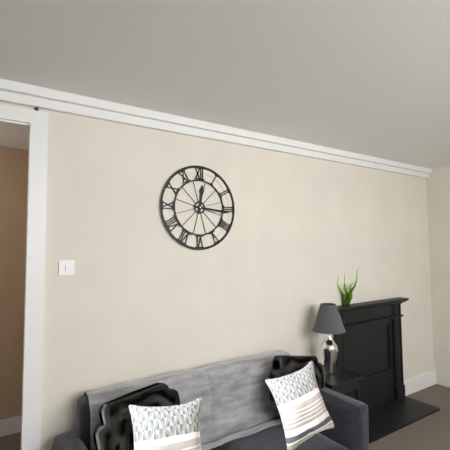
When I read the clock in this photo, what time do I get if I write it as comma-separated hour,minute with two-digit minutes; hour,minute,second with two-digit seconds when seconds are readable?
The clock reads 12,16
